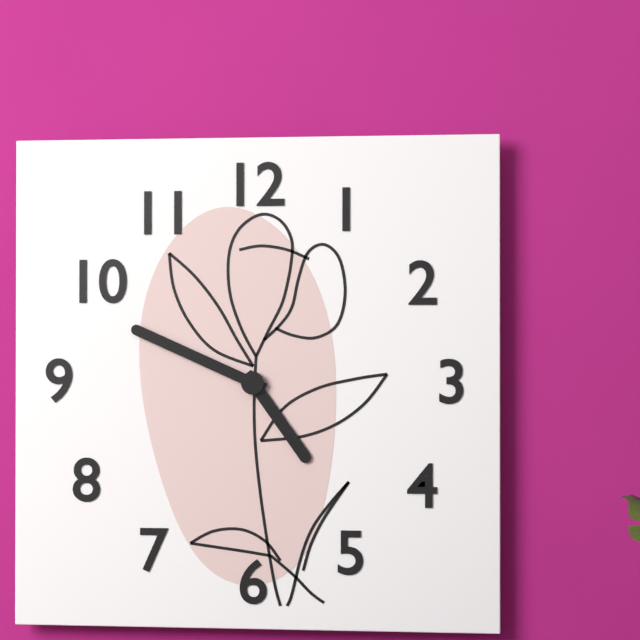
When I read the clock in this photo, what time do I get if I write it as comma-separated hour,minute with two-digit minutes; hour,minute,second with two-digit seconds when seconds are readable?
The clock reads 4,49
